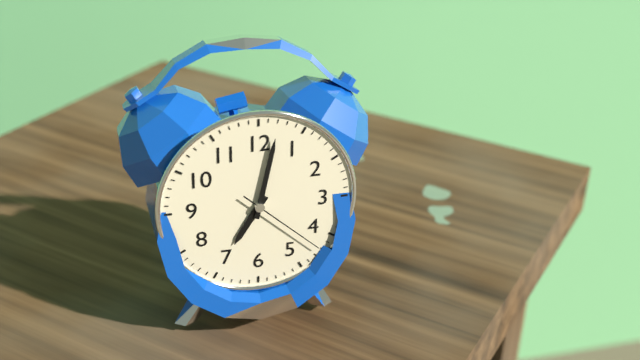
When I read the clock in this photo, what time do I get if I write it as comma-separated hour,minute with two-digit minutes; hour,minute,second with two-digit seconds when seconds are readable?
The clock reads 7,02,22
